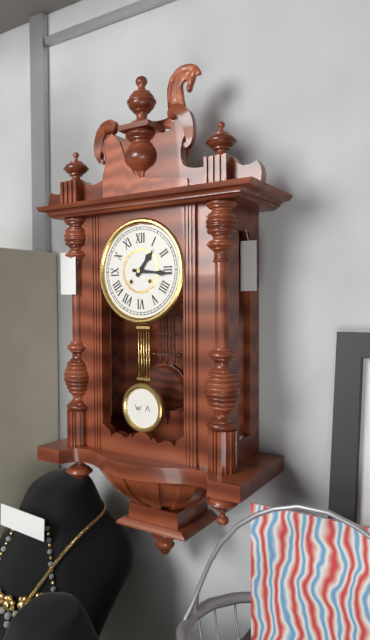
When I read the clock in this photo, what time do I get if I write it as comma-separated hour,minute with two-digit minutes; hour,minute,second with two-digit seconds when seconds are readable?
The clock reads 1,16
